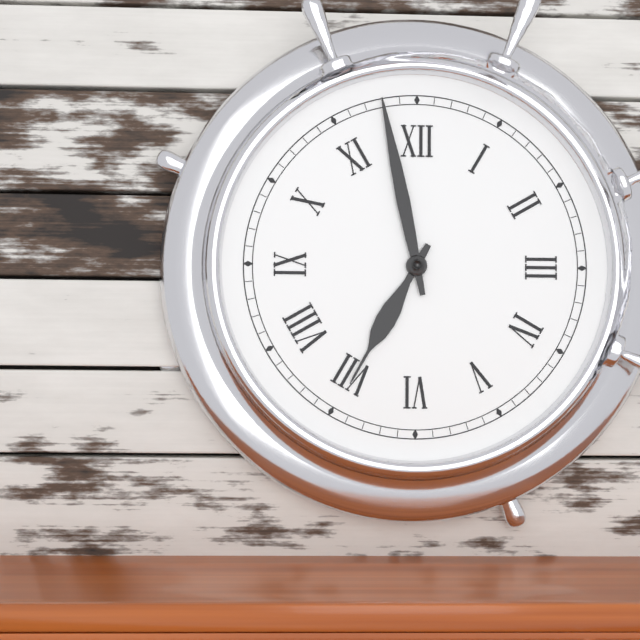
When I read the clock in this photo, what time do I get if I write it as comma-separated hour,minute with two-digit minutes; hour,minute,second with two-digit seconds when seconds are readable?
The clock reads 6,58
